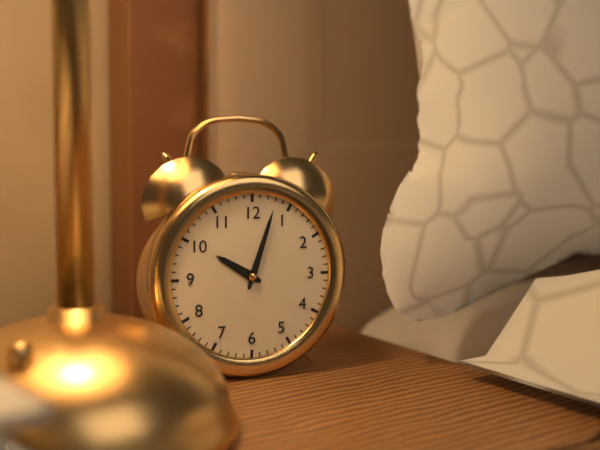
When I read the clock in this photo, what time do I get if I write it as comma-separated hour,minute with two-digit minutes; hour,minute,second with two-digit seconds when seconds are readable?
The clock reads 10,03
